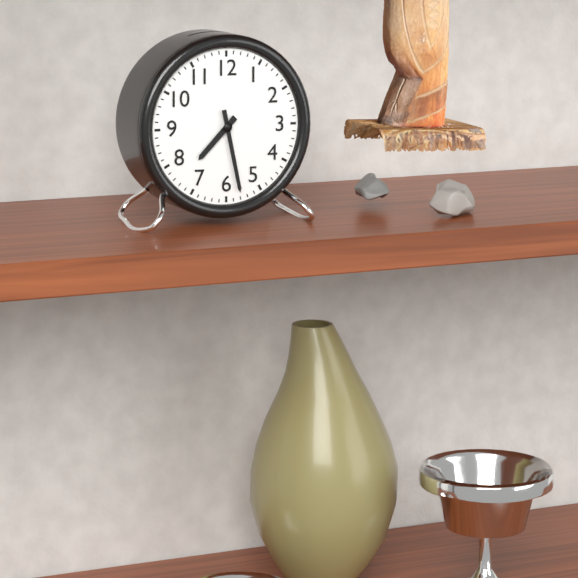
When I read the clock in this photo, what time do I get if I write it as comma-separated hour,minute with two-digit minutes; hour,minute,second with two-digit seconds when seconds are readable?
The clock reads 7,28
